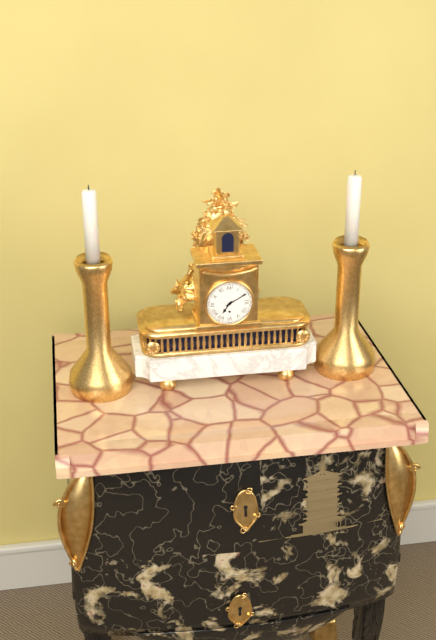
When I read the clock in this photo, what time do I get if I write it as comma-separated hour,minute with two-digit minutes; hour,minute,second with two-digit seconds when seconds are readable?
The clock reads 7,10
